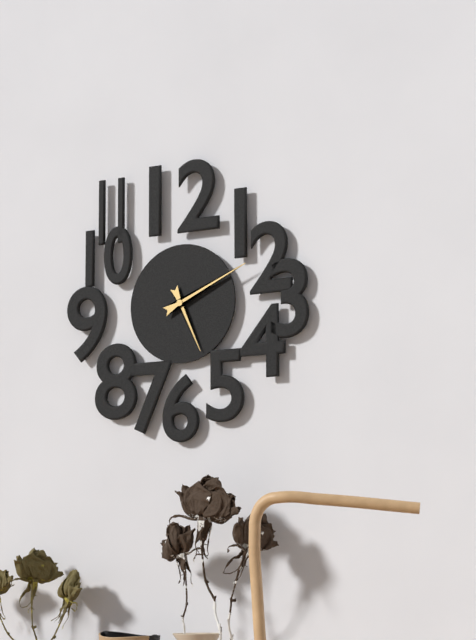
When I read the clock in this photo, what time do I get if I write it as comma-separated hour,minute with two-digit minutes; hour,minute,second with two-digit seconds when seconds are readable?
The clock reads 5,11
